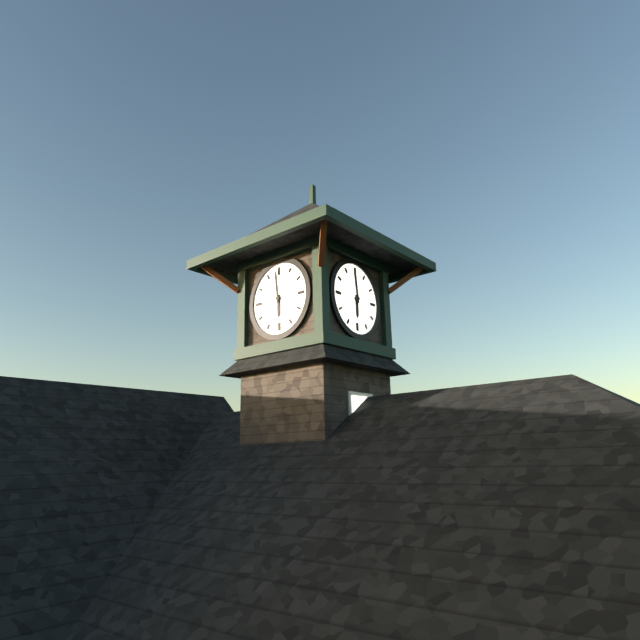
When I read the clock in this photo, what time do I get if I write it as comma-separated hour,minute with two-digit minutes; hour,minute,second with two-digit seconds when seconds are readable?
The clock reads 5,59
